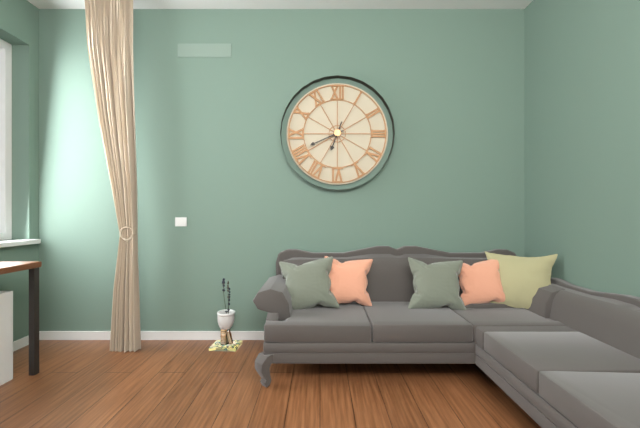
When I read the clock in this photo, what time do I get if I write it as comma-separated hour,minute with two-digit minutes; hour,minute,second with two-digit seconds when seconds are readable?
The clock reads 6,41
